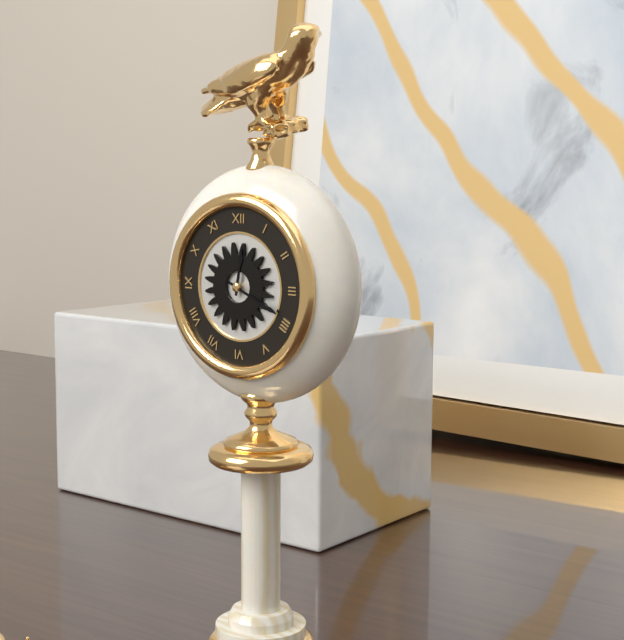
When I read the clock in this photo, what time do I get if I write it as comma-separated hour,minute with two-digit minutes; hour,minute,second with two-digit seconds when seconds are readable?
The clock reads 12,19
